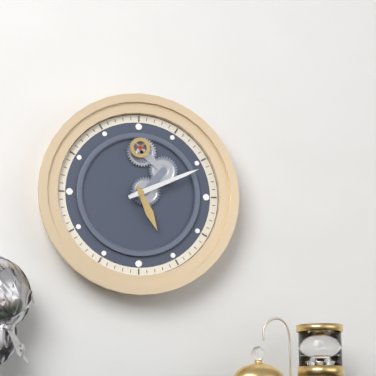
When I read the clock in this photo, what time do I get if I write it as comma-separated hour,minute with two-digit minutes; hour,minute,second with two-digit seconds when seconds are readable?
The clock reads 5,11
